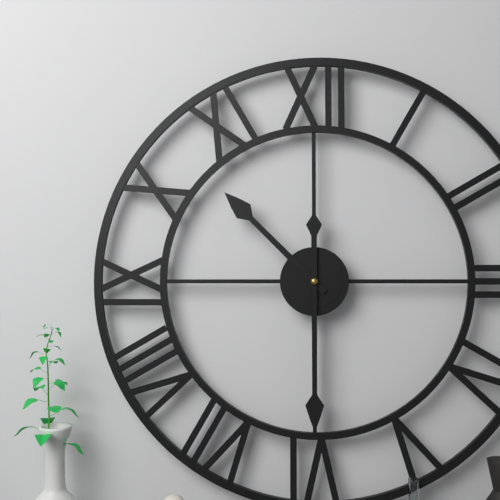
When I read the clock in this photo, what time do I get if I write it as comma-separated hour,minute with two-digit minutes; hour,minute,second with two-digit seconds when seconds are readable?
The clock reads 10,30
